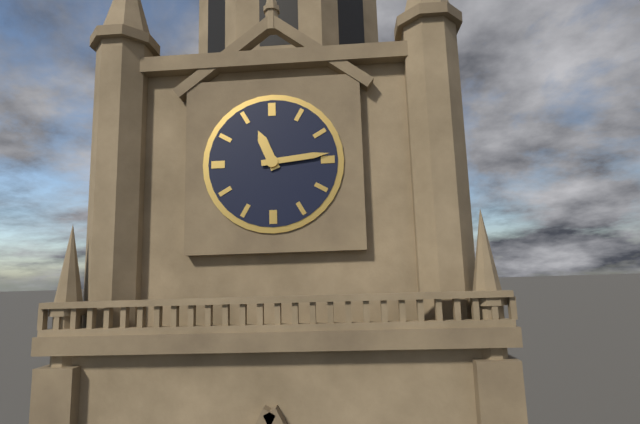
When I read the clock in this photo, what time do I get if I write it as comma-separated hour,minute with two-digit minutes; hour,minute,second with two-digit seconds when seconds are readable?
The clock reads 11,14
